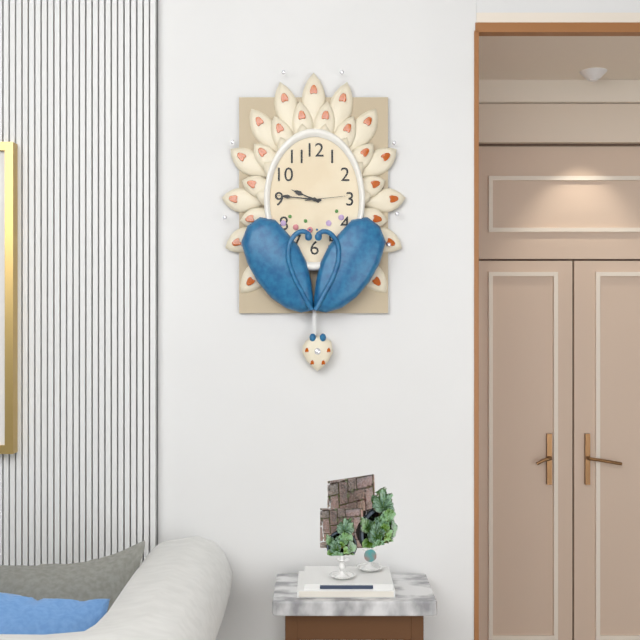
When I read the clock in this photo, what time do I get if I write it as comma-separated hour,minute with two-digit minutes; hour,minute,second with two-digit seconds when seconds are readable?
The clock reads 9,46
